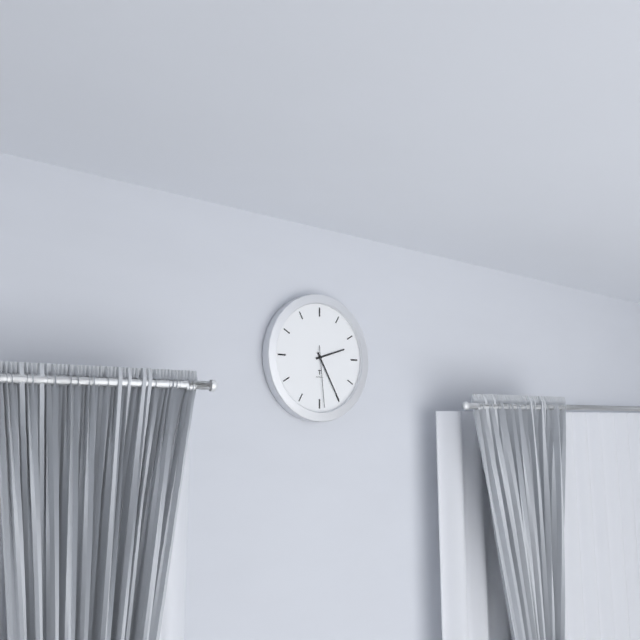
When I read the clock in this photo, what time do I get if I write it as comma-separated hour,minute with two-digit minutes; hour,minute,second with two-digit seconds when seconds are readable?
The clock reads 2,25,29
